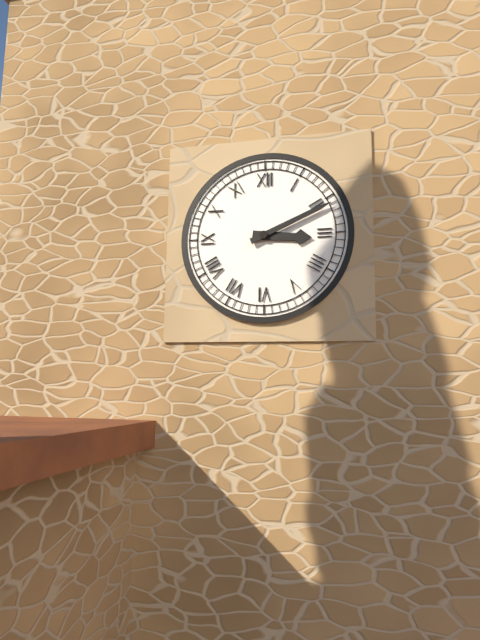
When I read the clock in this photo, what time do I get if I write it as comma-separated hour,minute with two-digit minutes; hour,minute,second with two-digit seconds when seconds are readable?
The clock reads 3,11
